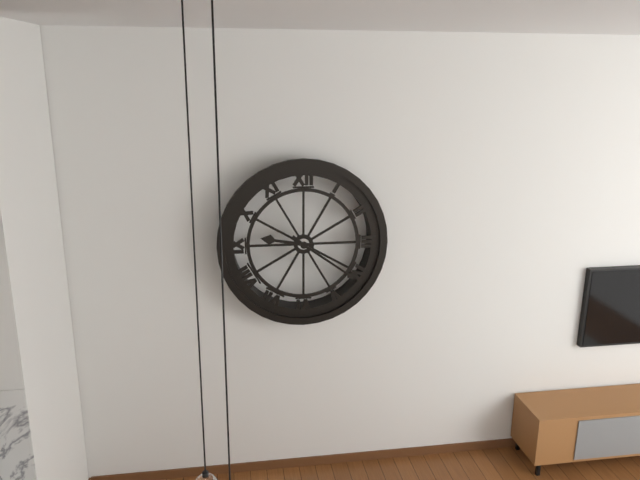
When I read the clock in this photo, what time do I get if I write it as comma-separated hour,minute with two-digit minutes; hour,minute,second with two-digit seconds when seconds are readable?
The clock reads 9,21
